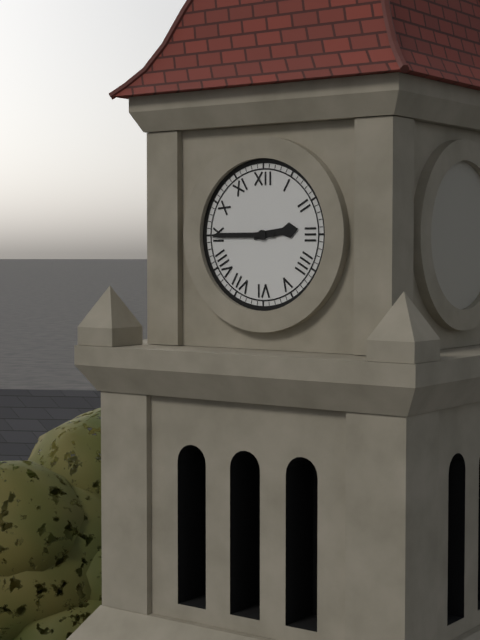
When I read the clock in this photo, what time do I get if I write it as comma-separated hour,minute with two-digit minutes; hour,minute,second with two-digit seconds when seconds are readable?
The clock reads 2,45
